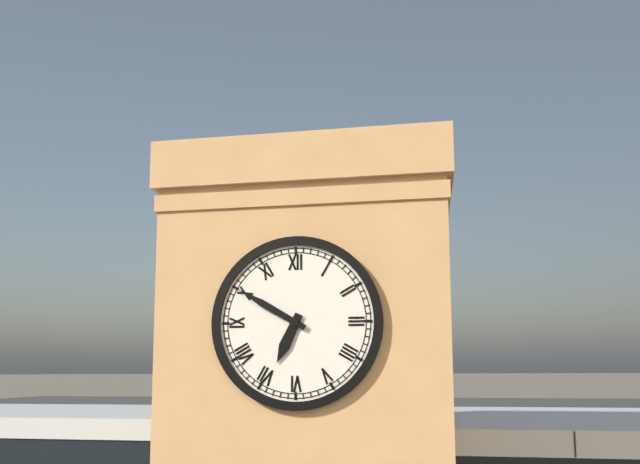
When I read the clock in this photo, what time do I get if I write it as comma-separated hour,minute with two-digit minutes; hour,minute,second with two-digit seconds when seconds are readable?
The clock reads 6,50
